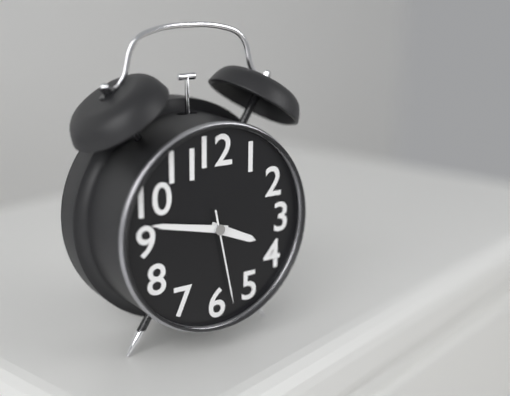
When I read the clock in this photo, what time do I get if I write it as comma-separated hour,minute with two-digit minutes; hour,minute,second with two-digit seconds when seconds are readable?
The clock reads 3,47,28
